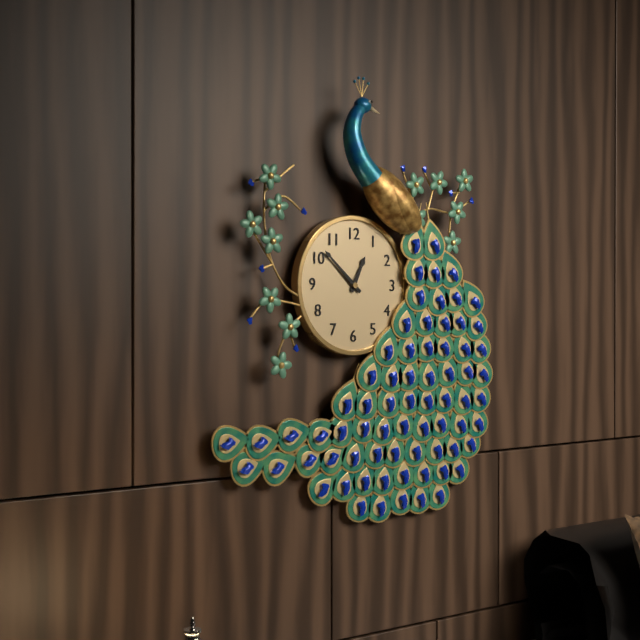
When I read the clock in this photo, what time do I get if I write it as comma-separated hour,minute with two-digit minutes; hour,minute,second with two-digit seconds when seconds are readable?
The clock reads 12,52
